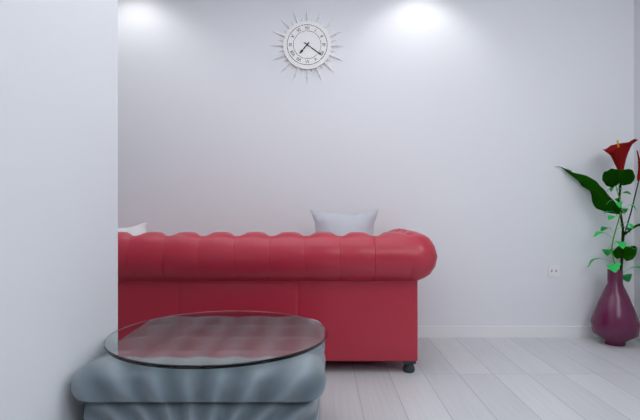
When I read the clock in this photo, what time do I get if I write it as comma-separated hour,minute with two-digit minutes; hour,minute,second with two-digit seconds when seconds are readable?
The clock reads 7,21
